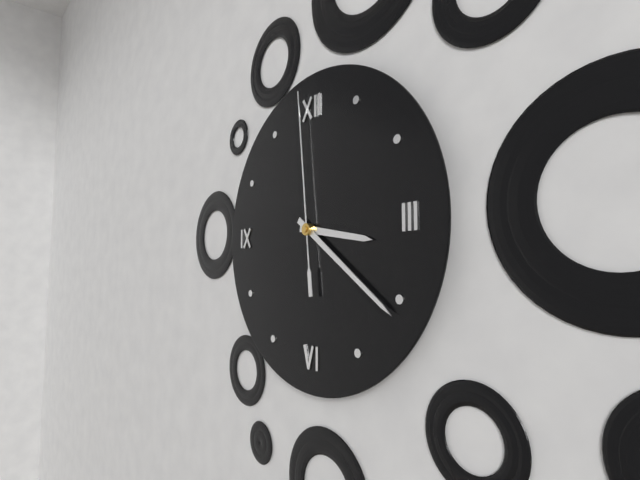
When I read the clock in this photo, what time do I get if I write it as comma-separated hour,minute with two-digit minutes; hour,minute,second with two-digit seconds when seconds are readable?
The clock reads 3,21,59
